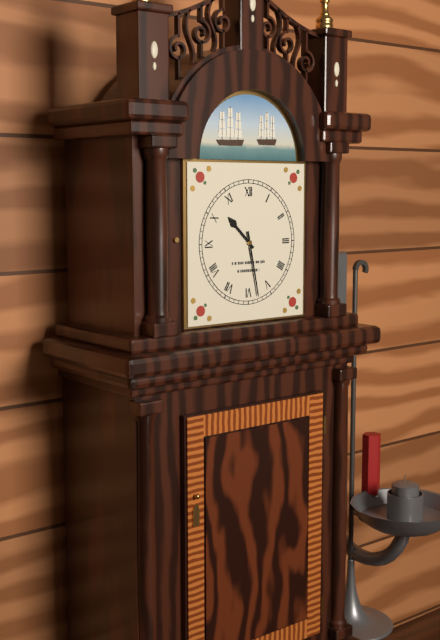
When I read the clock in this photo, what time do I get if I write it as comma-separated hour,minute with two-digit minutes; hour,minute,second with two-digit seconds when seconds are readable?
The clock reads 10,28
